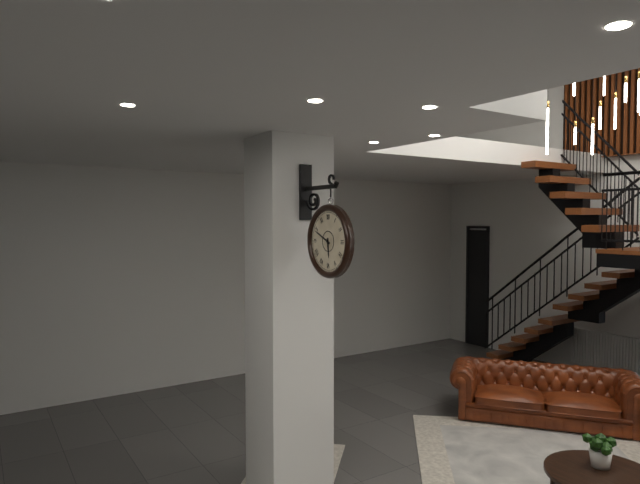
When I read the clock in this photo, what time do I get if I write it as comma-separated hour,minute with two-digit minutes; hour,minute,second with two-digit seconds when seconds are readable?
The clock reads 5,49
